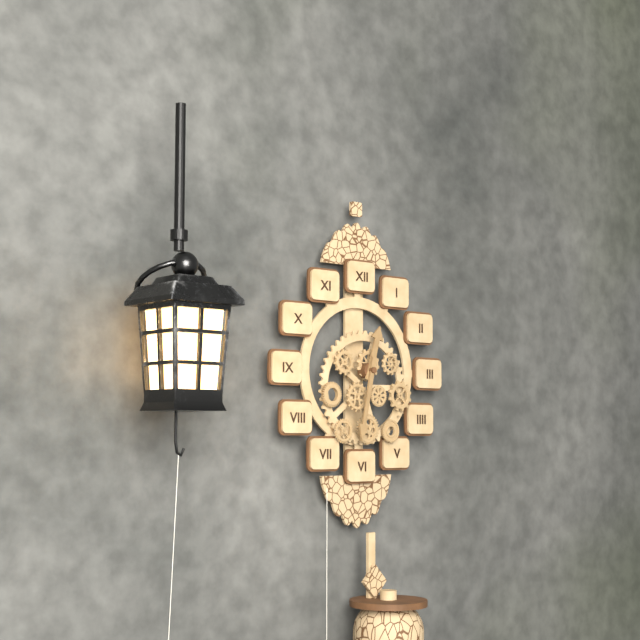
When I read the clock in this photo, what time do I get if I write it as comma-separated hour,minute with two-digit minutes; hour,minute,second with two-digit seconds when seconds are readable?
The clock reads 12,32
